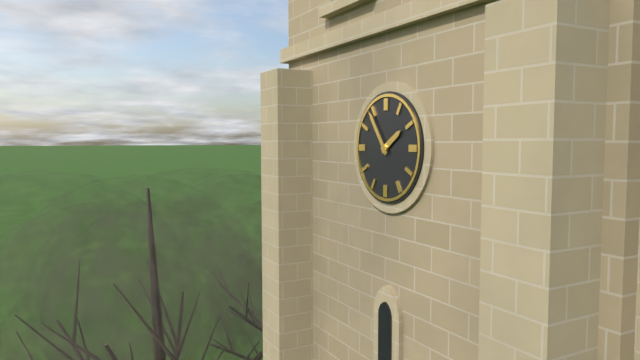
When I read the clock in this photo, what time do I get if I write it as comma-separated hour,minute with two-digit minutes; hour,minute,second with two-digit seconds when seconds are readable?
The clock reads 1,54
